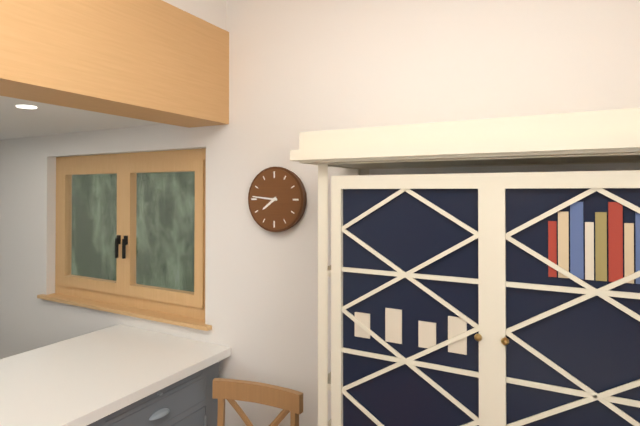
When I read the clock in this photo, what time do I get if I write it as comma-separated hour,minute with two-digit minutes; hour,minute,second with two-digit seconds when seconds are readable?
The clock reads 7,46
